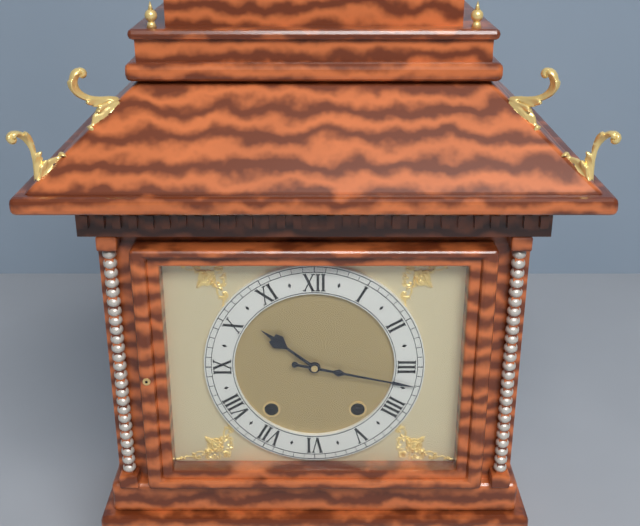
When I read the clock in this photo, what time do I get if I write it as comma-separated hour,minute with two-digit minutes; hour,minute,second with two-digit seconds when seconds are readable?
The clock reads 10,17
